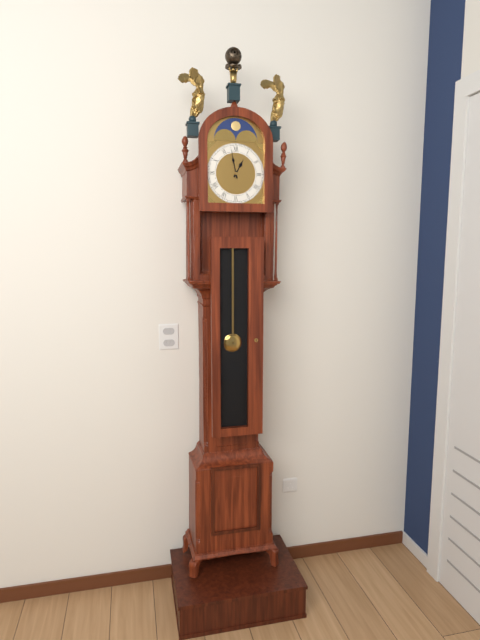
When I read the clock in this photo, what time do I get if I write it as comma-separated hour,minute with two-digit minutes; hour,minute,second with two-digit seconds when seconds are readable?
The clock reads 12,58
